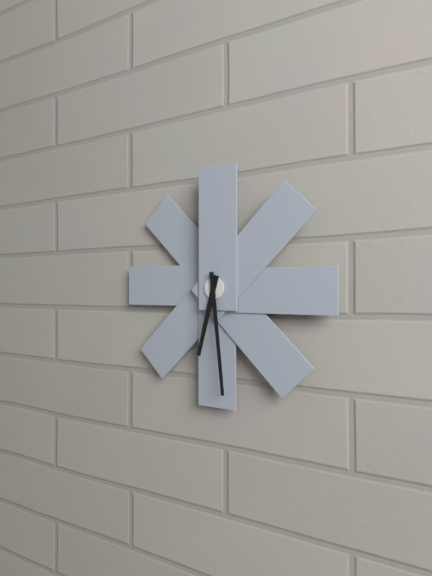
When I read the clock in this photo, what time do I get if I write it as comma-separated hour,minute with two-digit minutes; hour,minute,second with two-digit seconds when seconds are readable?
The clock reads 6,29
